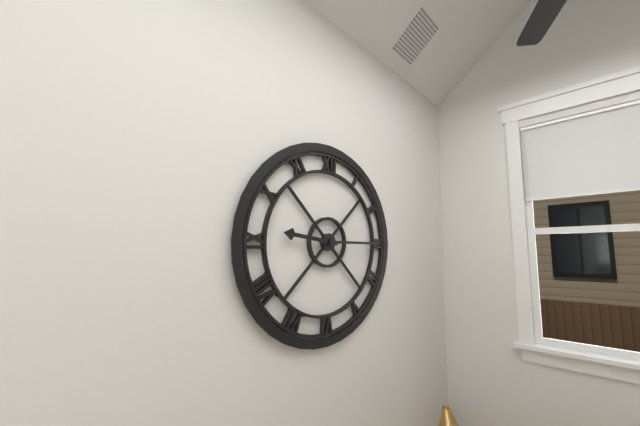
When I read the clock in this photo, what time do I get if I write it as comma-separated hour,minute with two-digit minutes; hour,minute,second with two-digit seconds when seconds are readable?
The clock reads 9,15
